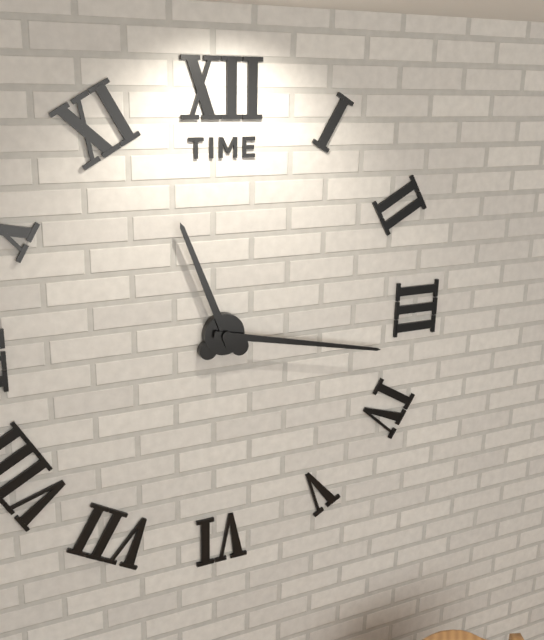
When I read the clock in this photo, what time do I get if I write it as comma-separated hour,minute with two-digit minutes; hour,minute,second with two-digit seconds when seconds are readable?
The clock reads 11,17
